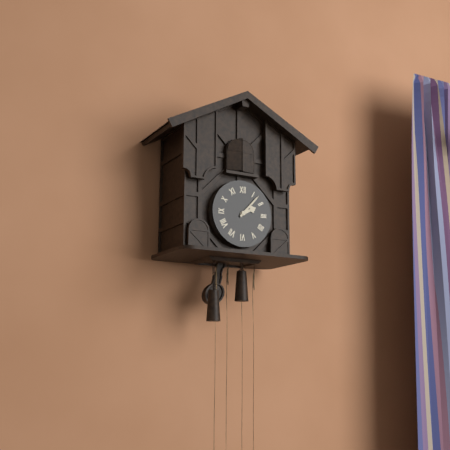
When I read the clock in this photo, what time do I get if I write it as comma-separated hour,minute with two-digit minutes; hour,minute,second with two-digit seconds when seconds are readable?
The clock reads 2,07
